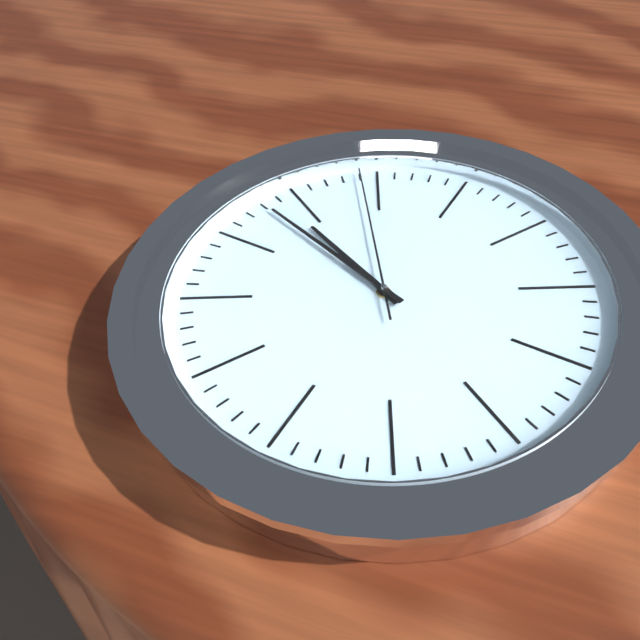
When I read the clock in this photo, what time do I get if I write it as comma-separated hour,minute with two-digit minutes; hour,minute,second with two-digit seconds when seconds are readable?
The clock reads 9,48,54
